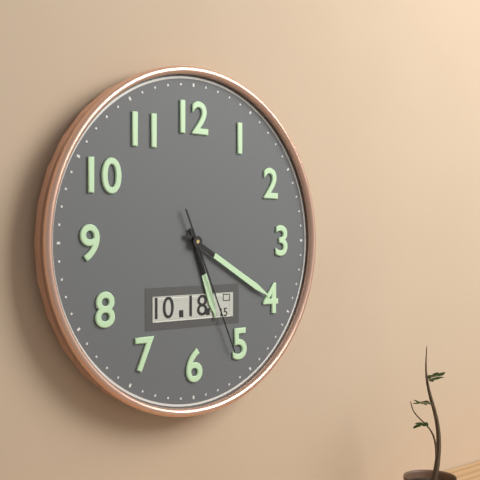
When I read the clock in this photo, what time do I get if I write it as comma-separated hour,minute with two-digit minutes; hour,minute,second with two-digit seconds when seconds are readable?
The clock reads 5,20,26
